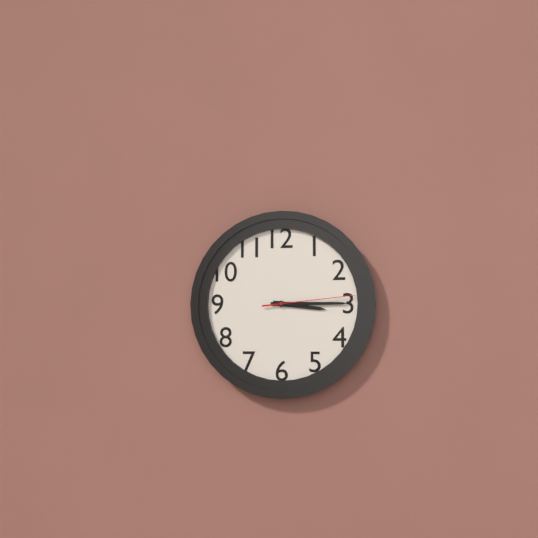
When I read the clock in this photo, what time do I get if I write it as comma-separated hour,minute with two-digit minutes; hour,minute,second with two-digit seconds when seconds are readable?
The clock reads 3,15,14
